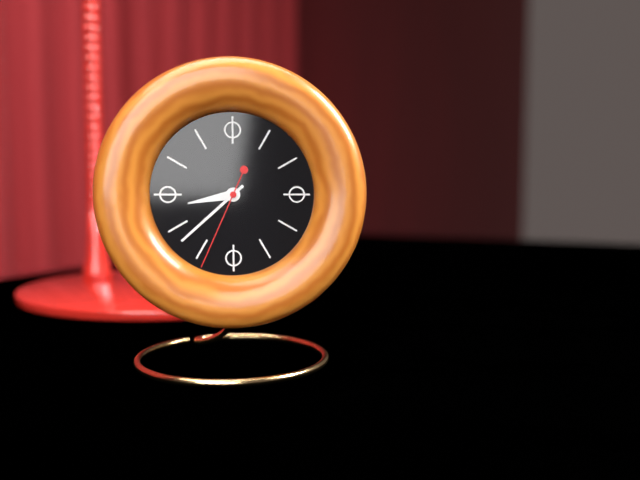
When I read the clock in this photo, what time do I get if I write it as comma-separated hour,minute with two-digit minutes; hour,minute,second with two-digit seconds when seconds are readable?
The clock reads 8,38,34
